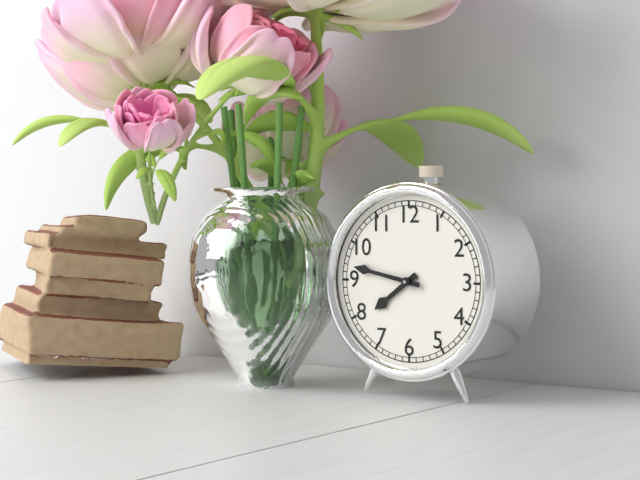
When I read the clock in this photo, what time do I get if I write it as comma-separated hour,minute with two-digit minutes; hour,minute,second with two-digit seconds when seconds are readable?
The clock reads 7,47
